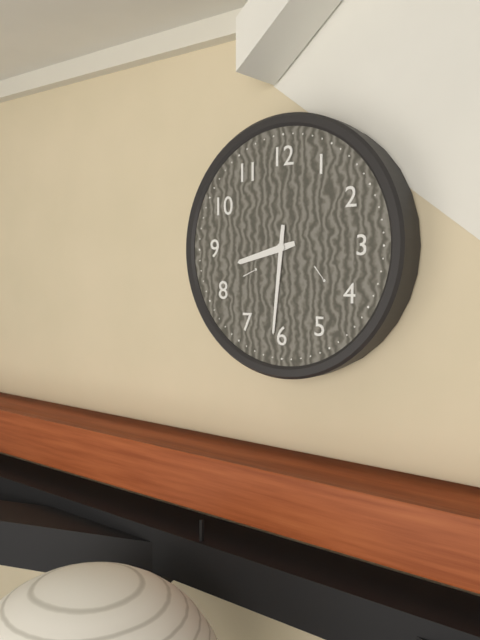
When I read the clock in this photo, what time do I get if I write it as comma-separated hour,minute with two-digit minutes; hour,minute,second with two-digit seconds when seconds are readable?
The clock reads 8,31
